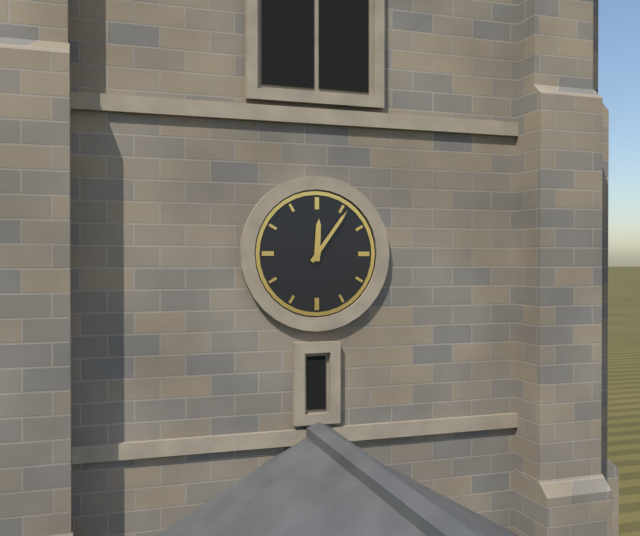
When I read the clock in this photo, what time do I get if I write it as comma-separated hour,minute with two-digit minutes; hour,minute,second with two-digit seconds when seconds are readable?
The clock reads 12,06
